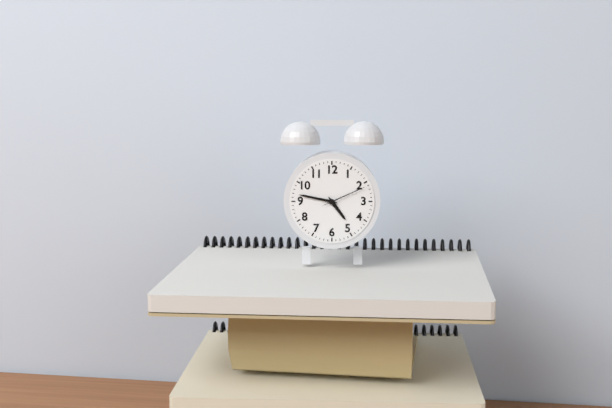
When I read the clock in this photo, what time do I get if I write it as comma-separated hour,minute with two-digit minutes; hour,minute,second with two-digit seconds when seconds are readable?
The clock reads 4,47
